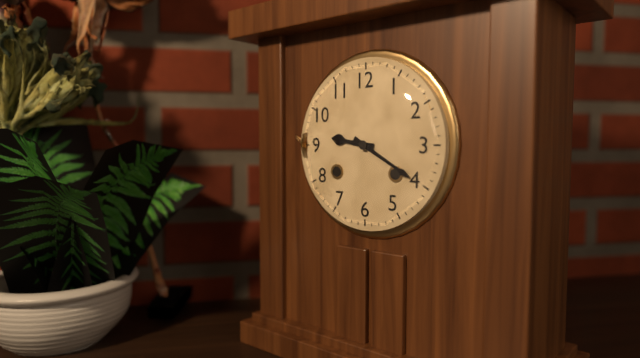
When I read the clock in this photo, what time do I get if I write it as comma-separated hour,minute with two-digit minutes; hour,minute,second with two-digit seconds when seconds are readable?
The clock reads 9,20
